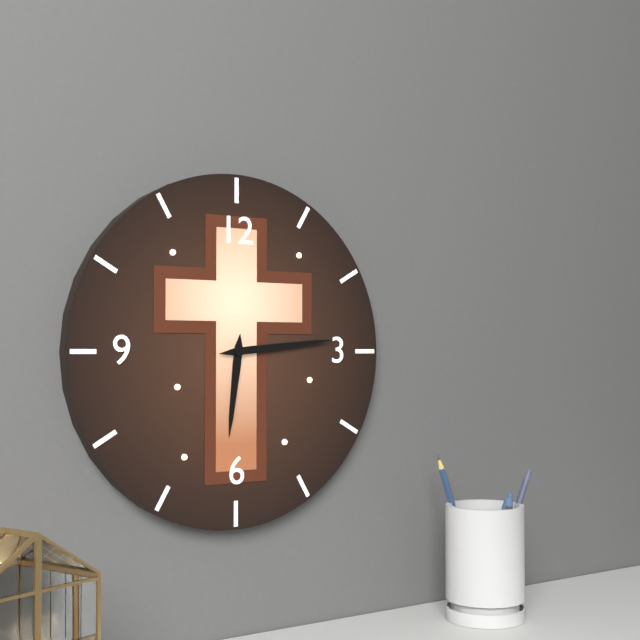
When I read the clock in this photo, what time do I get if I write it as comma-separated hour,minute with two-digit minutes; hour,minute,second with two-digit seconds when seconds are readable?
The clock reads 6,14
